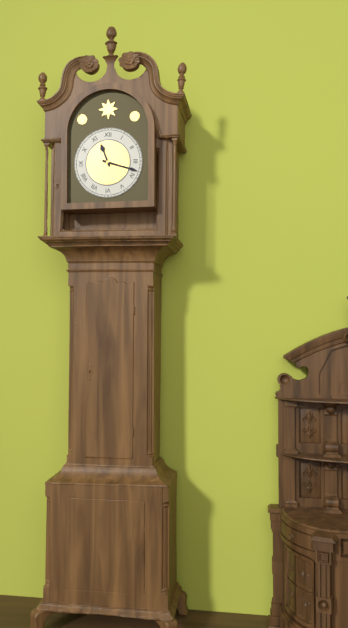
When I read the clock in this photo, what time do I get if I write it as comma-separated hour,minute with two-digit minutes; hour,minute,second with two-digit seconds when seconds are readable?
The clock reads 11,18
